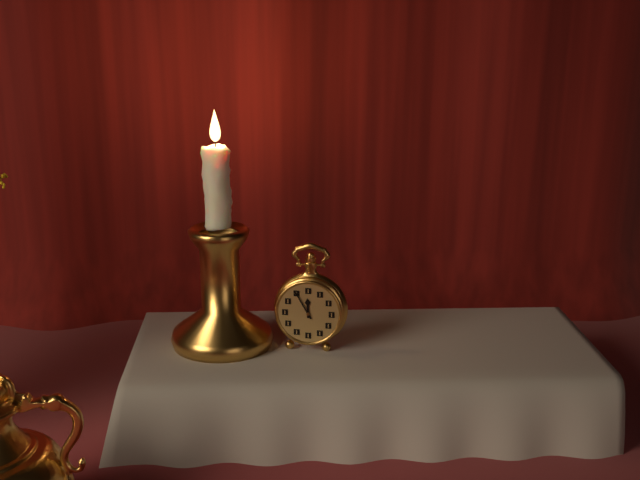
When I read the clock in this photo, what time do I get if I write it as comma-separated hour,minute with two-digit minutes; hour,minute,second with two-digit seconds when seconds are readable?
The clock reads 11,55
